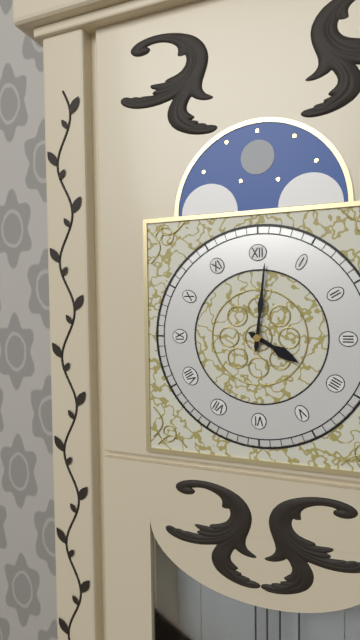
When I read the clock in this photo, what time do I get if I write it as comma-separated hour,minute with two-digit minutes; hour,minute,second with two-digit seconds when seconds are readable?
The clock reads 4,01
